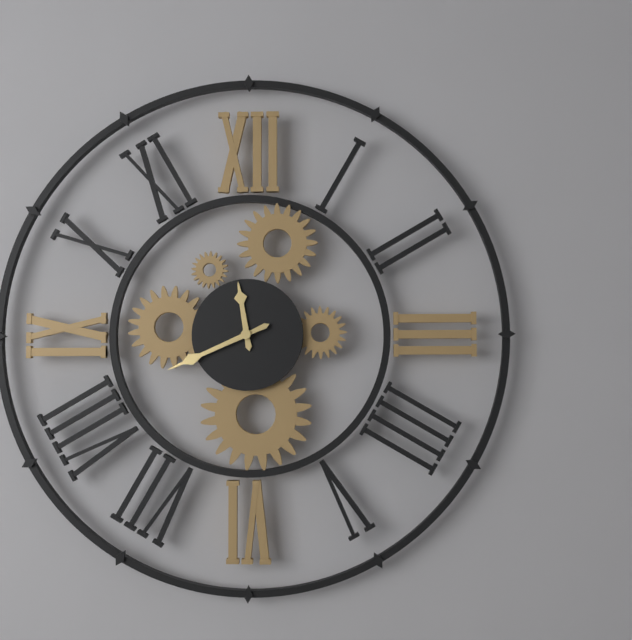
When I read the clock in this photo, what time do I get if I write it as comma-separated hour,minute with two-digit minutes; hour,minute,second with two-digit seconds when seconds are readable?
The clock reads 11,41
